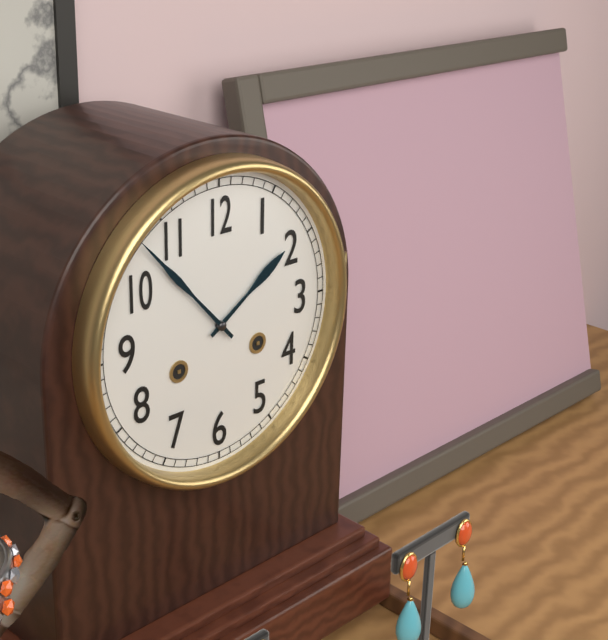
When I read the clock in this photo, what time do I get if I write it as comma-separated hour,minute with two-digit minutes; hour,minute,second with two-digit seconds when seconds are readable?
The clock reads 1,53
